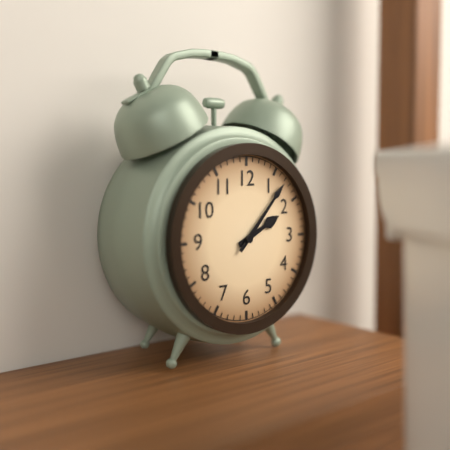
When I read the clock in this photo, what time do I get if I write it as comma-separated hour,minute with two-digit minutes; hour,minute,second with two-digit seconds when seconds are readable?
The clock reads 2,07
